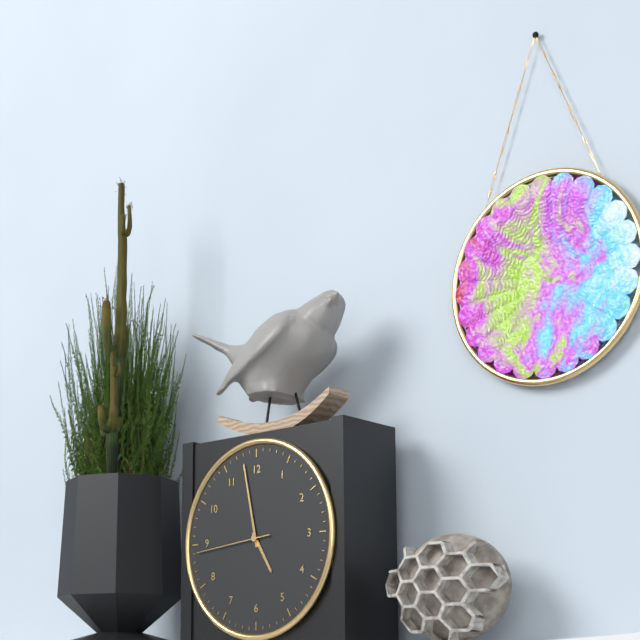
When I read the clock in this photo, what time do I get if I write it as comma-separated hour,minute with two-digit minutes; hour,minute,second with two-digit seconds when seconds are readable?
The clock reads 4,58,44
